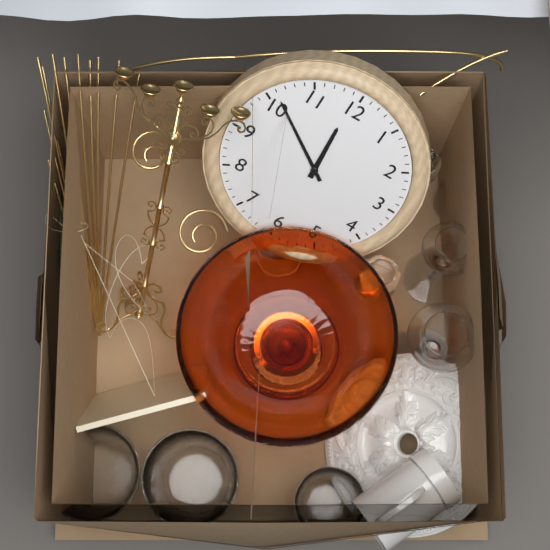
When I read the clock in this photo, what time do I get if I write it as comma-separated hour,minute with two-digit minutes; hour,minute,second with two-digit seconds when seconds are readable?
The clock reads 11,51
